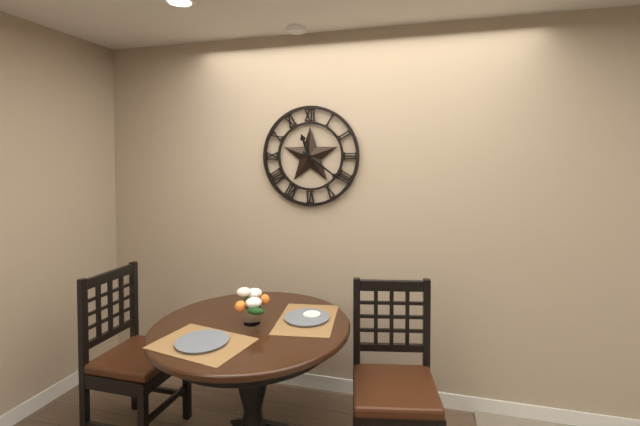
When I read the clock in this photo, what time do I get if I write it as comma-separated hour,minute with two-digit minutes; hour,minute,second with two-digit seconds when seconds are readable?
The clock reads 11,21
